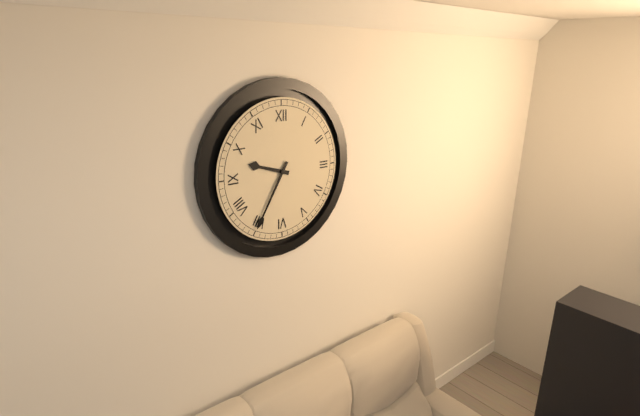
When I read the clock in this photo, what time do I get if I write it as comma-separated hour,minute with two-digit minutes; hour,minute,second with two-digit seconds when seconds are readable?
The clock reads 9,35
